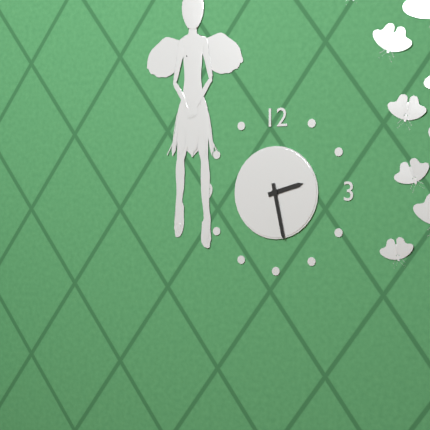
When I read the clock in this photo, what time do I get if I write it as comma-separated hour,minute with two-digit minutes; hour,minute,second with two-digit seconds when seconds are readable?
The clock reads 2,28
